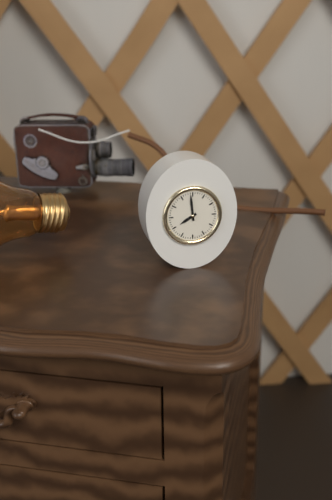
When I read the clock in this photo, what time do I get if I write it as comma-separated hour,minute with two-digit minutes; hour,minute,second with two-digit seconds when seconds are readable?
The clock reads 7,59
